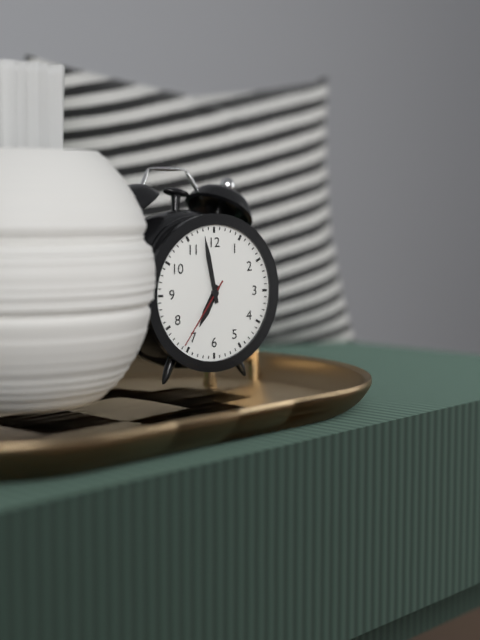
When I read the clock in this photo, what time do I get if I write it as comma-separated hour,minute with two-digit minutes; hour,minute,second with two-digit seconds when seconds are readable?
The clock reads 6,58,36
